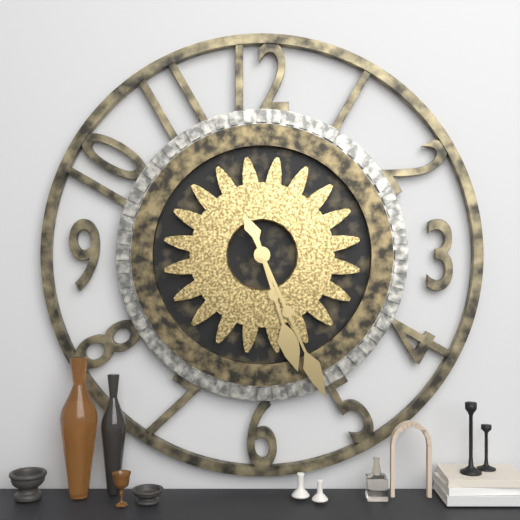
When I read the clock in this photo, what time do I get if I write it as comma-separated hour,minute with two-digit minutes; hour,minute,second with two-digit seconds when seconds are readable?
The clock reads 5,26
